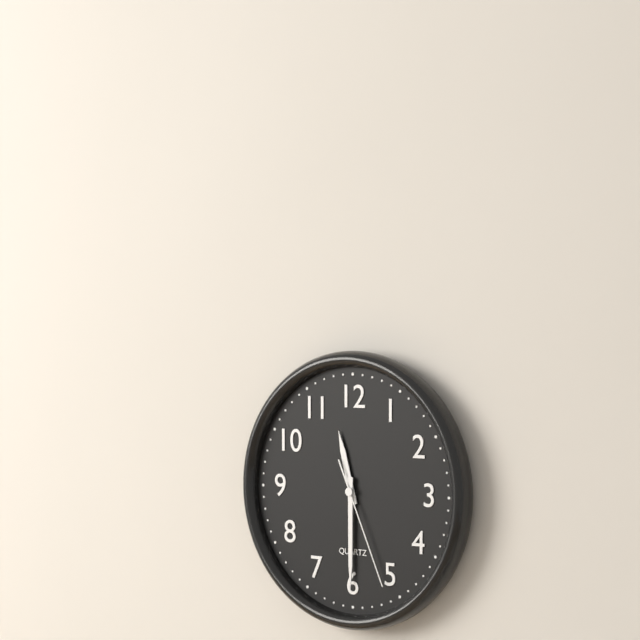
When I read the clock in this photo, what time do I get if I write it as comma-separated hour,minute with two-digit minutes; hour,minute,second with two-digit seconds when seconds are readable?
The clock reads 11,30,26
